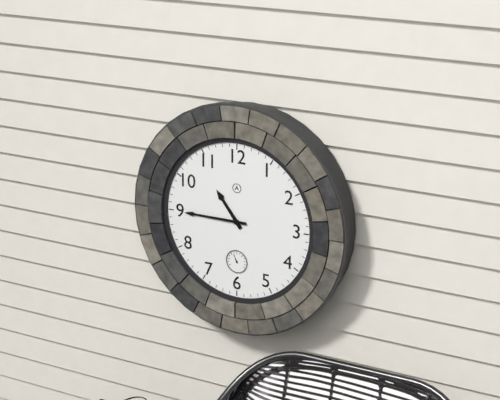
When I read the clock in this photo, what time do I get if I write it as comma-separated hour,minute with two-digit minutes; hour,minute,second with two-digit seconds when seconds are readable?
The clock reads 10,45
